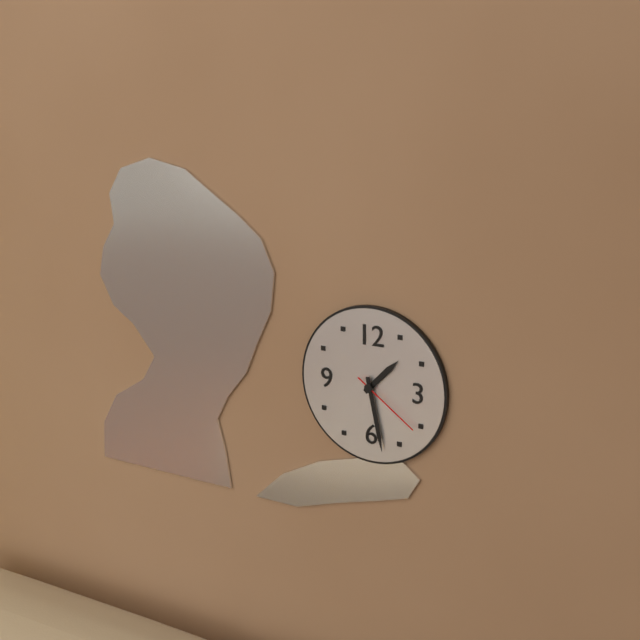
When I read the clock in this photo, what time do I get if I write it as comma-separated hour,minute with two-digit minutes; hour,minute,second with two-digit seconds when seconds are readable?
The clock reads 1,28,21
